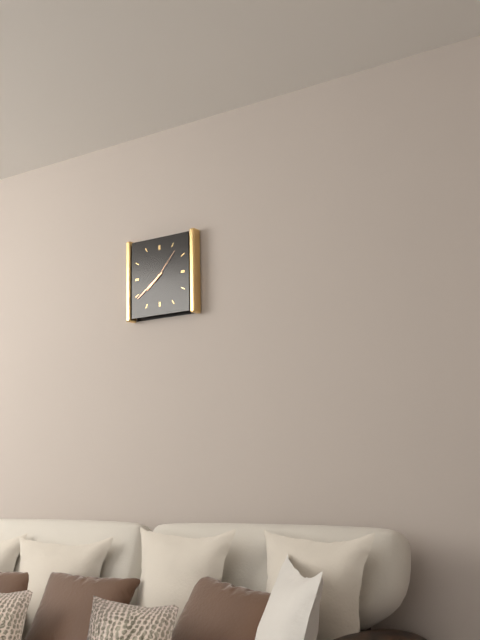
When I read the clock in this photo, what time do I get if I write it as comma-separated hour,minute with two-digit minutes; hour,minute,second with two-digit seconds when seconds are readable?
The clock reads 7,39
